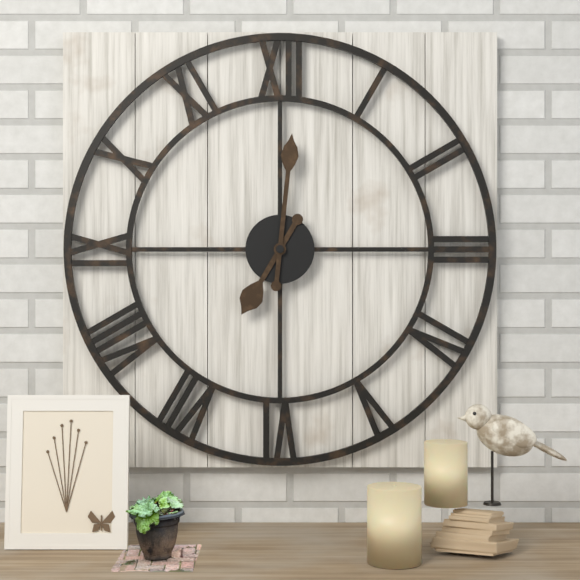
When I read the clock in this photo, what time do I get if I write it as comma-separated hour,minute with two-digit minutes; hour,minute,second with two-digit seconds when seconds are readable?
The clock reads 7,01
